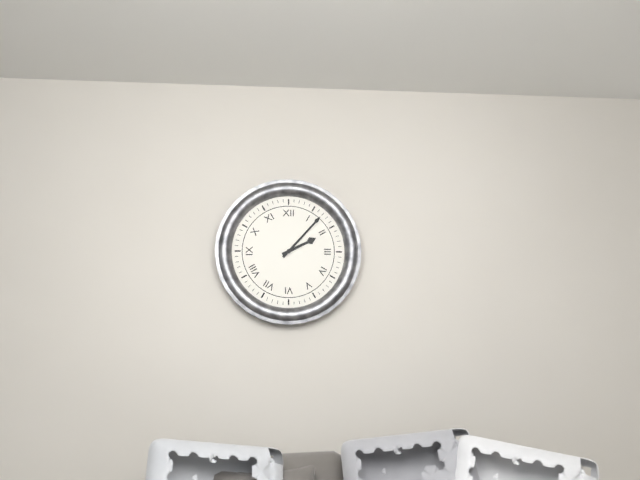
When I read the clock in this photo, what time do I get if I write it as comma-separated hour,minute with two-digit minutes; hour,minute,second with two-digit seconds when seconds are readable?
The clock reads 2,07
